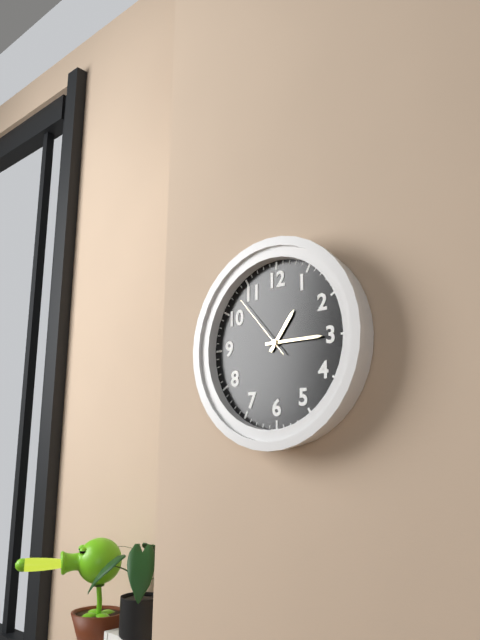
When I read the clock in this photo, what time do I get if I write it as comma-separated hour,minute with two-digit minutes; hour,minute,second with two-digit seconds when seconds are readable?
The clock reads 1,15,53
